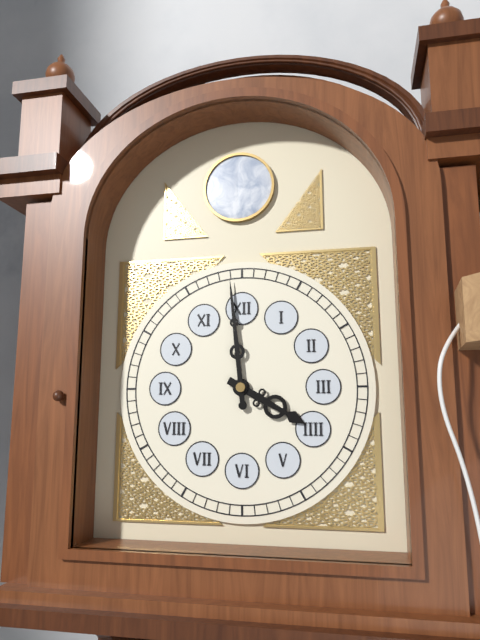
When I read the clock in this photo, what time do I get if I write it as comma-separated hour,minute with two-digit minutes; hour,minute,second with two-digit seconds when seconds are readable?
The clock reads 3,59
